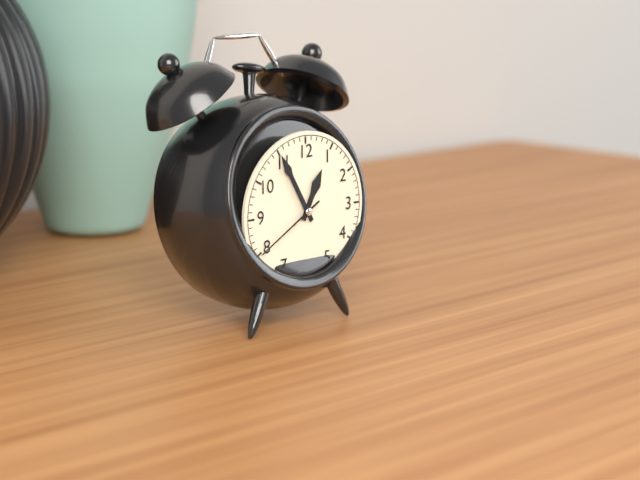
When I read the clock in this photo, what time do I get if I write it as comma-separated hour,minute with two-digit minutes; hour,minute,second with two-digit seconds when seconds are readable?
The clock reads 12,55,40
